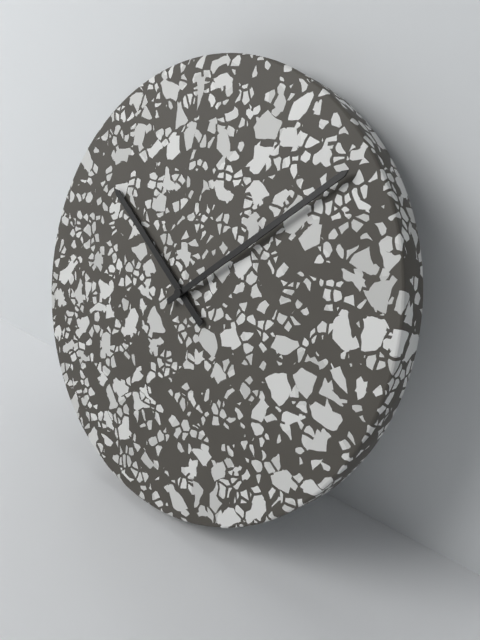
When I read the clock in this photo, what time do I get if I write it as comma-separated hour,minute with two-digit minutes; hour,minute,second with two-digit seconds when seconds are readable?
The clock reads 10,08
